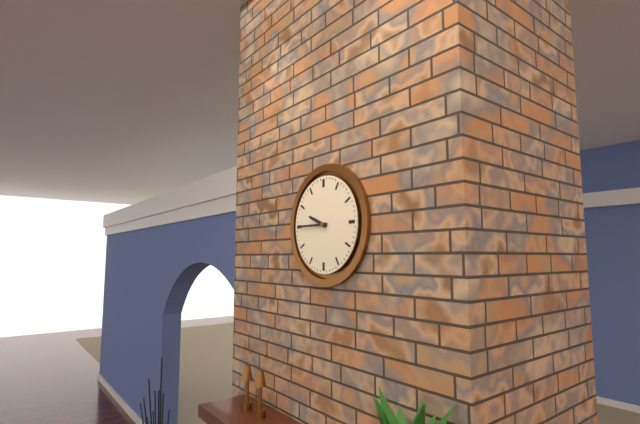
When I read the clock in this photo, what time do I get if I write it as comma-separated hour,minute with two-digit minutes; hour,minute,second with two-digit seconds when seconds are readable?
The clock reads 9,45
